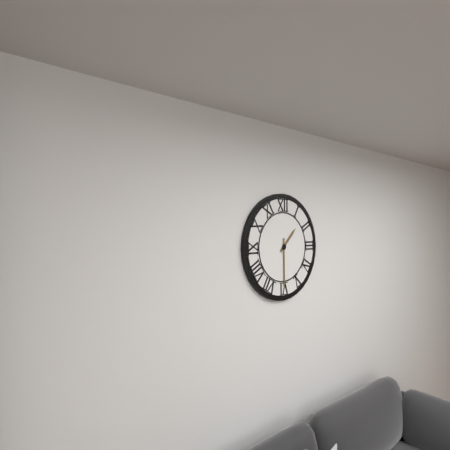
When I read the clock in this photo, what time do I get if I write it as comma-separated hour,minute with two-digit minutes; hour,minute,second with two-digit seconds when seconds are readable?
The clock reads 1,30
